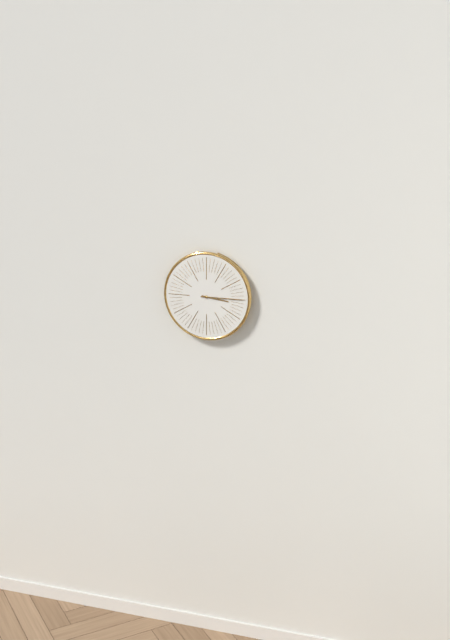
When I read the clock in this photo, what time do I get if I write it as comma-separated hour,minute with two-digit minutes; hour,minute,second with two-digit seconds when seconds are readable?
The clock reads 3,15
